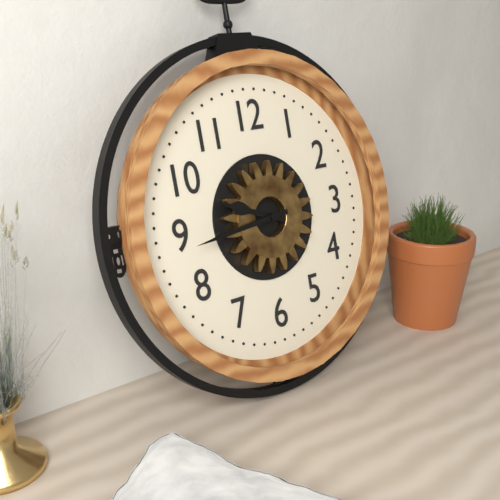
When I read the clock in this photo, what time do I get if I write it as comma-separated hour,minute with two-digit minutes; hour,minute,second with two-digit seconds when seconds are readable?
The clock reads 9,44
